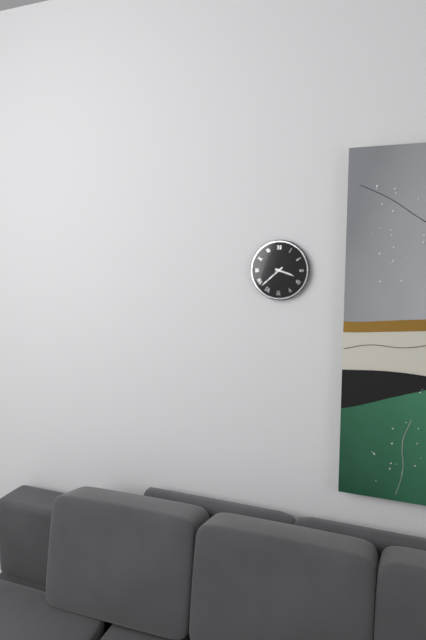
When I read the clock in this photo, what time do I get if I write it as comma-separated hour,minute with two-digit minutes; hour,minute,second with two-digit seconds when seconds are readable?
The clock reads 3,38
